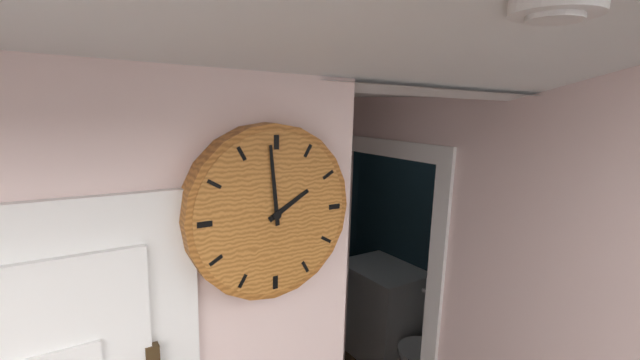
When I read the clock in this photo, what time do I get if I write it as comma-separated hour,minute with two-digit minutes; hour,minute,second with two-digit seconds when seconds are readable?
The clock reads 1,59
